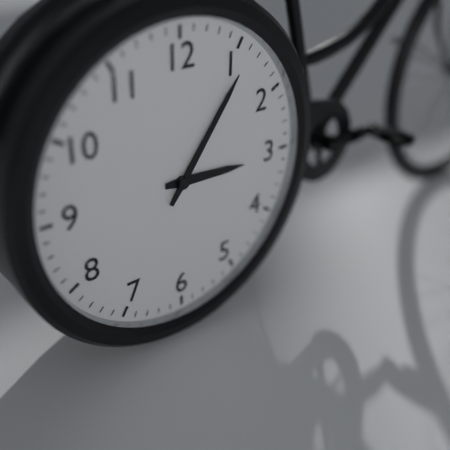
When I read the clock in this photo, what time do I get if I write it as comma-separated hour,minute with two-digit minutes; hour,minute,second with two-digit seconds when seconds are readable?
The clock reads 3,06
